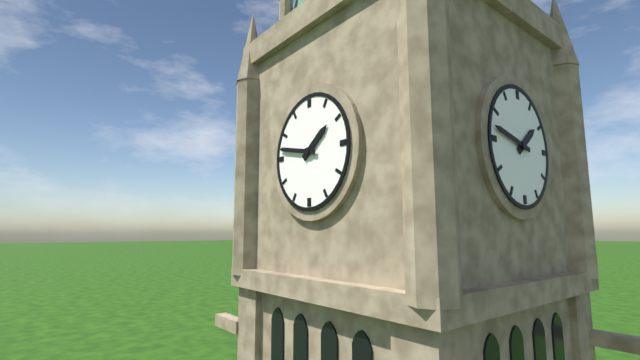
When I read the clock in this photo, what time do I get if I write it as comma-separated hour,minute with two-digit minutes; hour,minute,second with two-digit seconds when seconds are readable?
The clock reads 1,47
